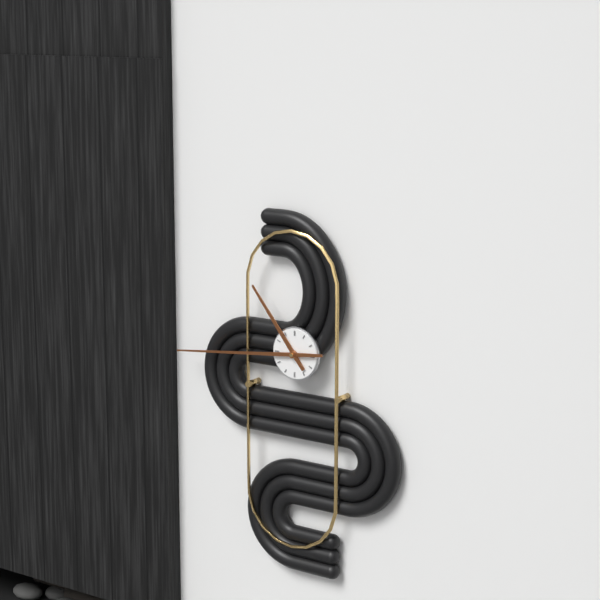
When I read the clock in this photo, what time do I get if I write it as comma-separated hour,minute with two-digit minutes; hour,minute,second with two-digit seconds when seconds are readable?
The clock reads 10,44
